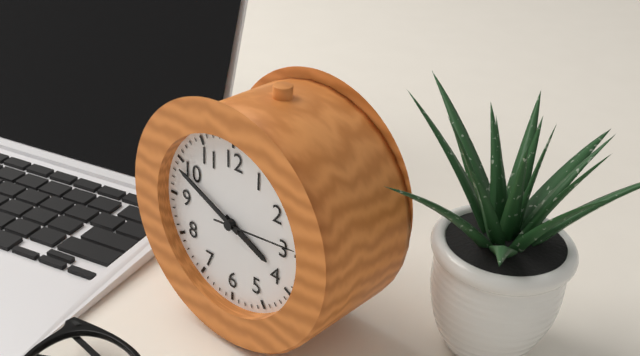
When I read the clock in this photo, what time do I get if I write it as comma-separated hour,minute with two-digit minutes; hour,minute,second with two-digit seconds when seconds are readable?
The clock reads 3,49,14
